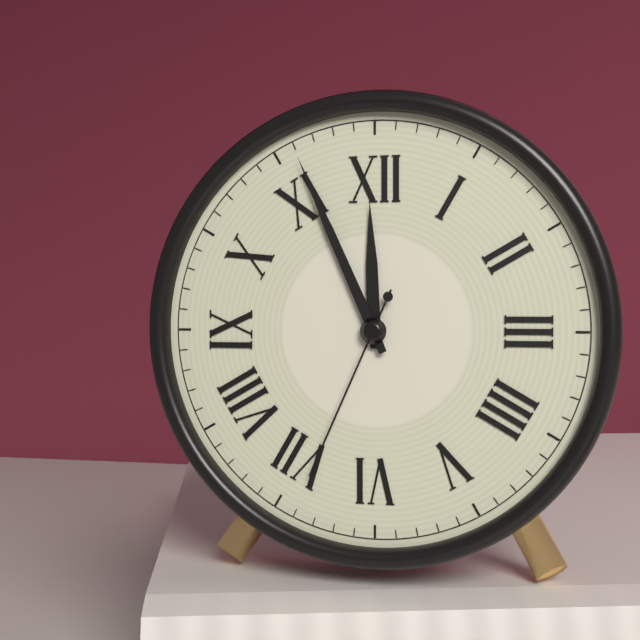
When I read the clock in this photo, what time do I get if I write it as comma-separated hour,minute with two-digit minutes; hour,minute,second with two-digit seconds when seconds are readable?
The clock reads 11,56,34
